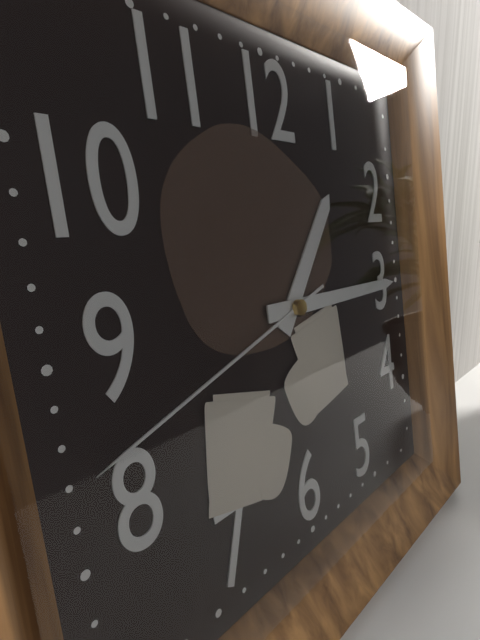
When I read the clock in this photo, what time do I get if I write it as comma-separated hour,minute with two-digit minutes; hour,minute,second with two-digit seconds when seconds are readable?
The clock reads 1,15,42
